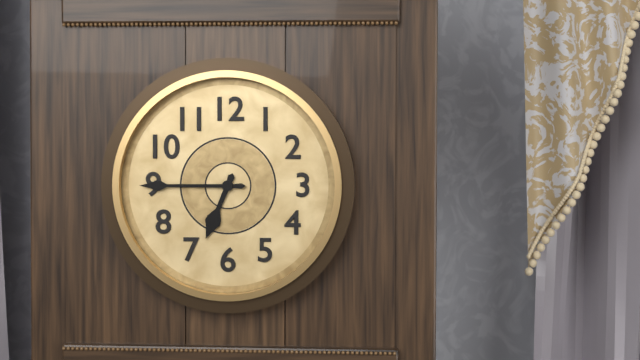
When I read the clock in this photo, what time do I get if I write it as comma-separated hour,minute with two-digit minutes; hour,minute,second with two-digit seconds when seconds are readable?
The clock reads 6,45
